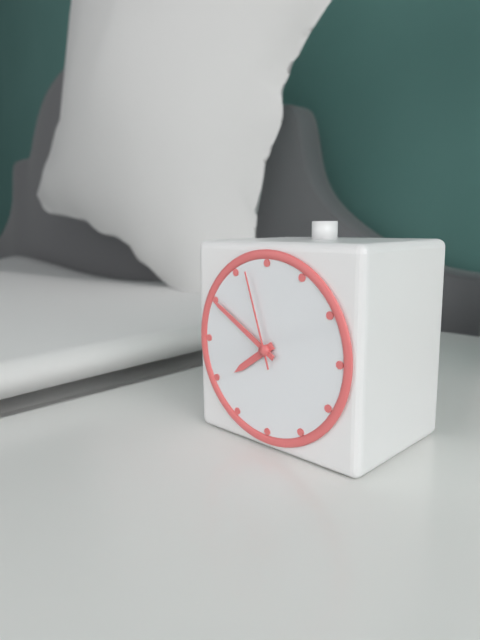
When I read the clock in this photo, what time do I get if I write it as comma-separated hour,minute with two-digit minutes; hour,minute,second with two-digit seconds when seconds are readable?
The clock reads 7,50,57
